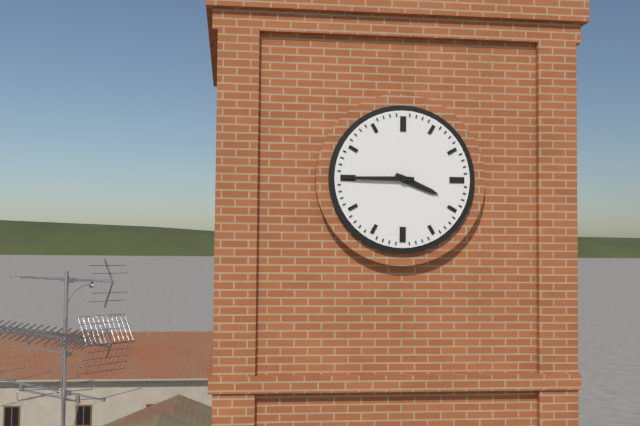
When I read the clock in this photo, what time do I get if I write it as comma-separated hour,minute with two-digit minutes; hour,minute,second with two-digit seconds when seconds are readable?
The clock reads 3,45
